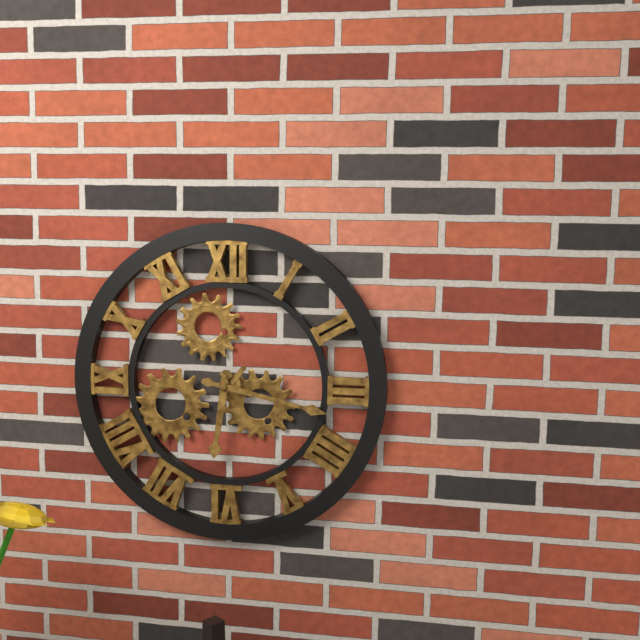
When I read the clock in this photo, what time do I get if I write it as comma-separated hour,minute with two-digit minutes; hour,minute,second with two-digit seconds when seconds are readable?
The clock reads 6,17
